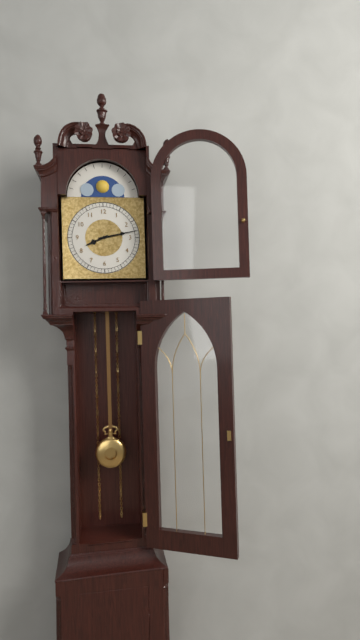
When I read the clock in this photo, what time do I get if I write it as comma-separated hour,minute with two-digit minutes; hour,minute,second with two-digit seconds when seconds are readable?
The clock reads 8,13
